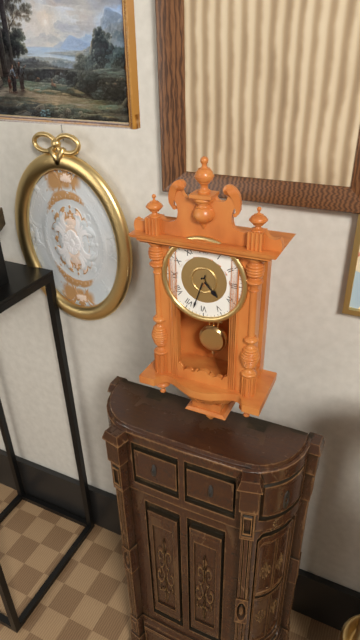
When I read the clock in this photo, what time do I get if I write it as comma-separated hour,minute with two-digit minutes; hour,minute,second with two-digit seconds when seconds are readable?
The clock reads 4,33
